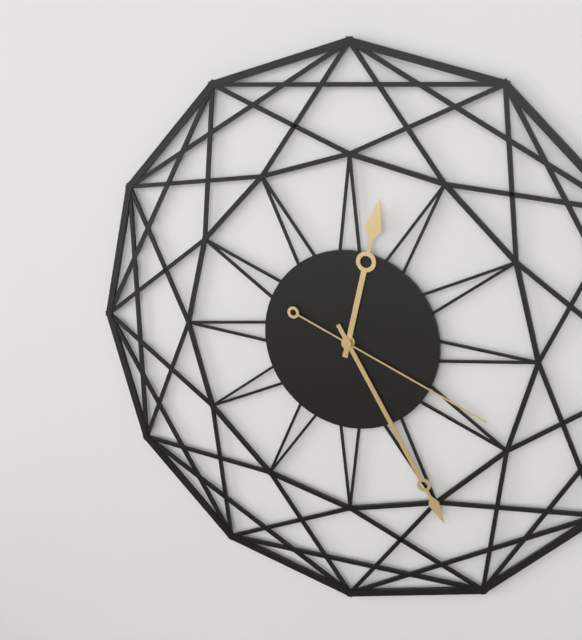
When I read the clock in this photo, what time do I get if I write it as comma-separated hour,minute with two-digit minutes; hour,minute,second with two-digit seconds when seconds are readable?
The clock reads 12,25,19
